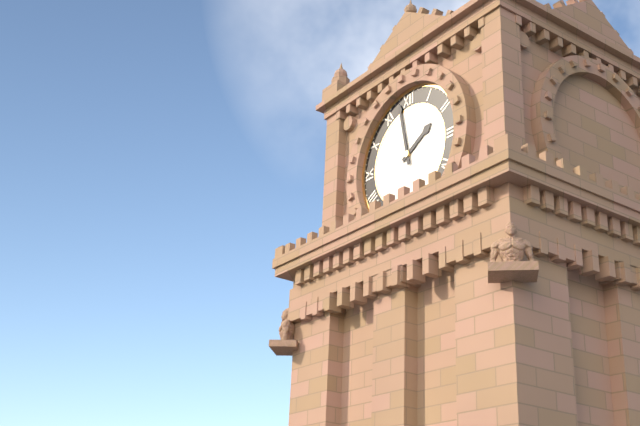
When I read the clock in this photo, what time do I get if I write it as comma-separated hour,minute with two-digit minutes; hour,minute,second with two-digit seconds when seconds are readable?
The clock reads 1,58
